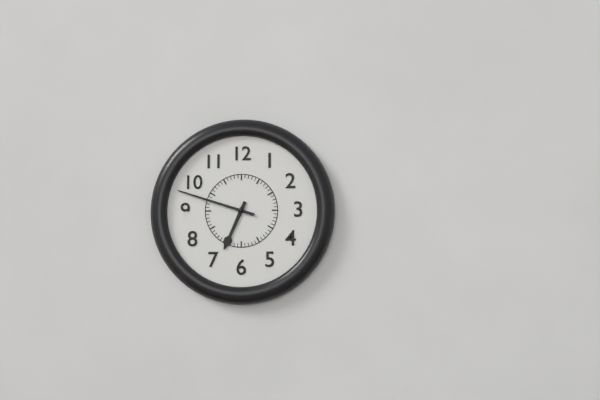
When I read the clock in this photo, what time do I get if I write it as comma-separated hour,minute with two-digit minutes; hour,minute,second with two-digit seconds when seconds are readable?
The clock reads 6,48
